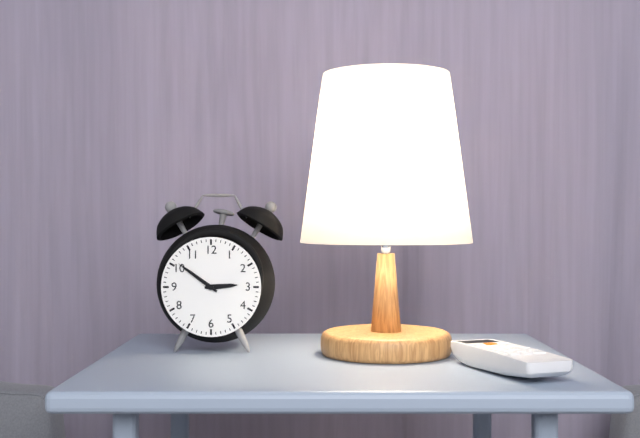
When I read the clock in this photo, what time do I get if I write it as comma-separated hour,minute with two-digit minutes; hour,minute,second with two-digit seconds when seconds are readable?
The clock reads 2,51
